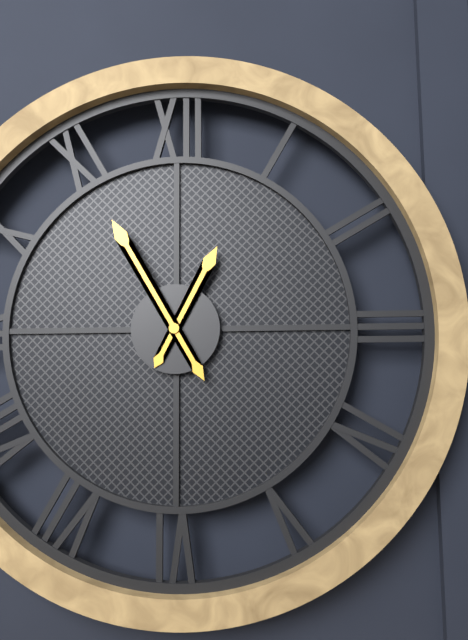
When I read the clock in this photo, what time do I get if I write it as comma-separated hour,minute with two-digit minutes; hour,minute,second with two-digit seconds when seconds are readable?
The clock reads 12,55
